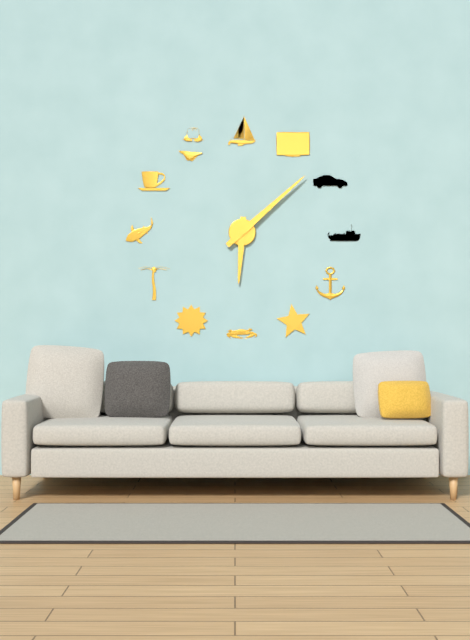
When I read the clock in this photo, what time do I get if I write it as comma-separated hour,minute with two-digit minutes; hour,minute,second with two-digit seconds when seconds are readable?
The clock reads 6,08
